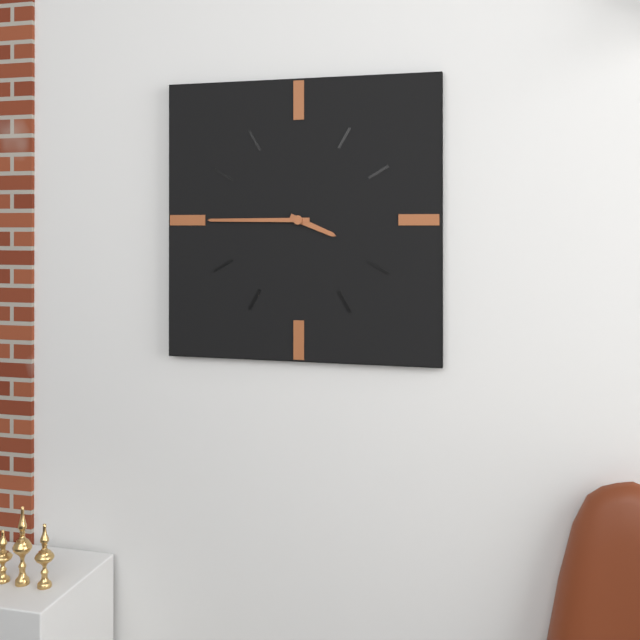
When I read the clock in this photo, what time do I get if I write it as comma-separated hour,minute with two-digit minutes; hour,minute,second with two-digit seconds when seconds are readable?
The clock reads 3,45
